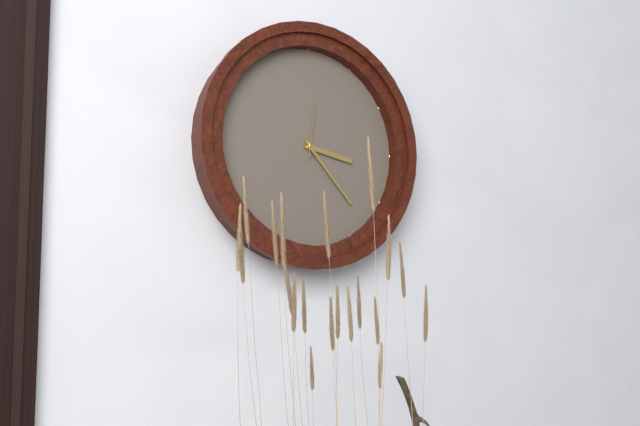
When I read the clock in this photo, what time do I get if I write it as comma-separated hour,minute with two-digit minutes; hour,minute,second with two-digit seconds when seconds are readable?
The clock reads 3,23,01
